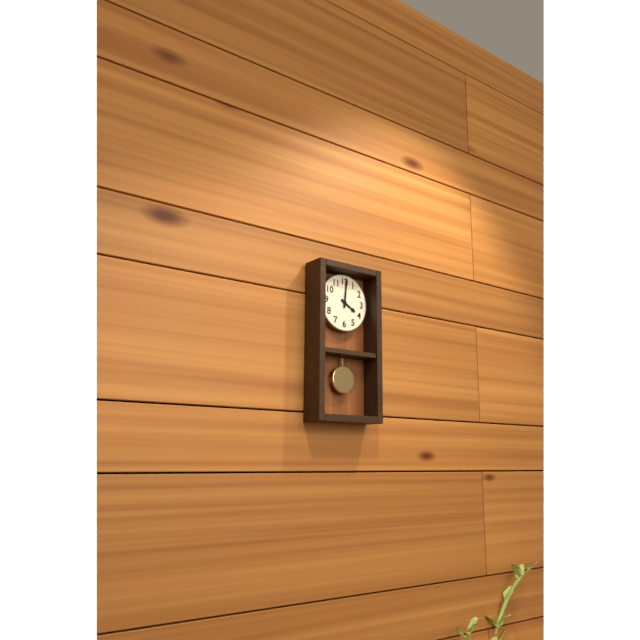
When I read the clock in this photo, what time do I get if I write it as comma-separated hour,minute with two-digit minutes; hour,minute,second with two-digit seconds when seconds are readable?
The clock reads 4,01
